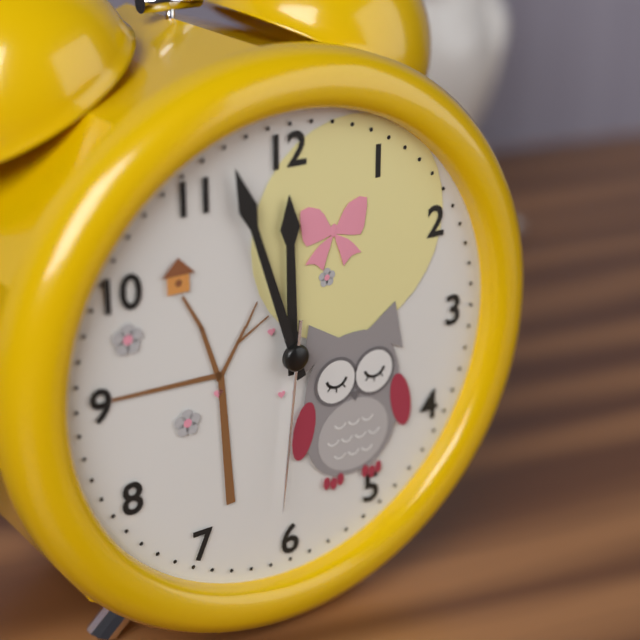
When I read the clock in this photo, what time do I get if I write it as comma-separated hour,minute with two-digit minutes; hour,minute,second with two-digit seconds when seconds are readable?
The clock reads 11,57,31
